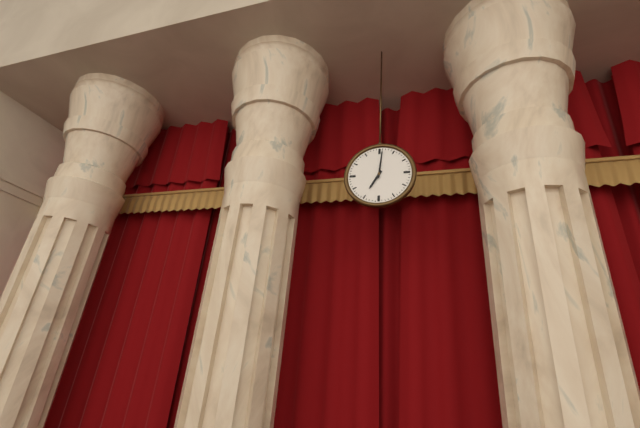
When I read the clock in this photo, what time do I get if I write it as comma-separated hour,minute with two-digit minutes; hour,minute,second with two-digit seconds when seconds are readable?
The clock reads 7,01
